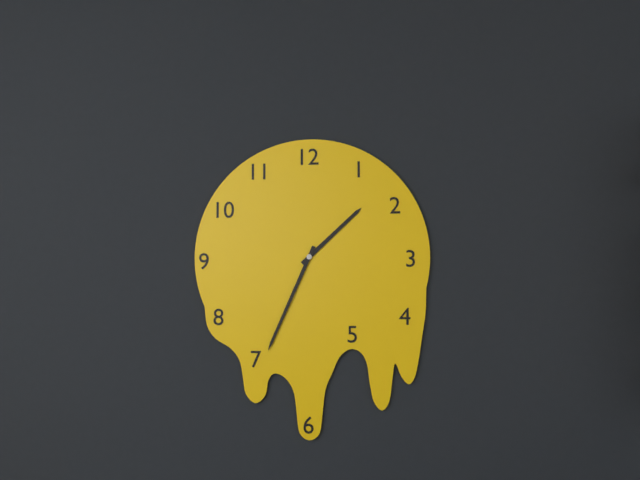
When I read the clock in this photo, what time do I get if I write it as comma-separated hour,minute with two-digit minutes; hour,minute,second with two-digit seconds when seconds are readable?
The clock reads 1,34
